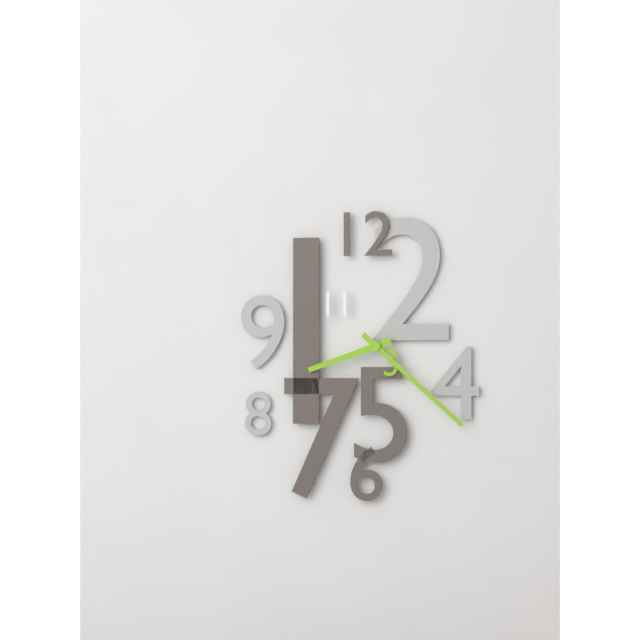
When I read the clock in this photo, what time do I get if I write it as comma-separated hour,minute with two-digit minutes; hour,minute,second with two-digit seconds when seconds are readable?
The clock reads 8,22
